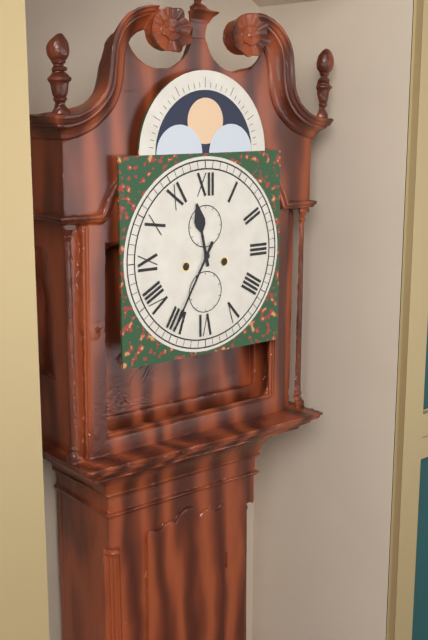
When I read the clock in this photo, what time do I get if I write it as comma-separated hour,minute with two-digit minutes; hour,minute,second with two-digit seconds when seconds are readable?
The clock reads 11,35
